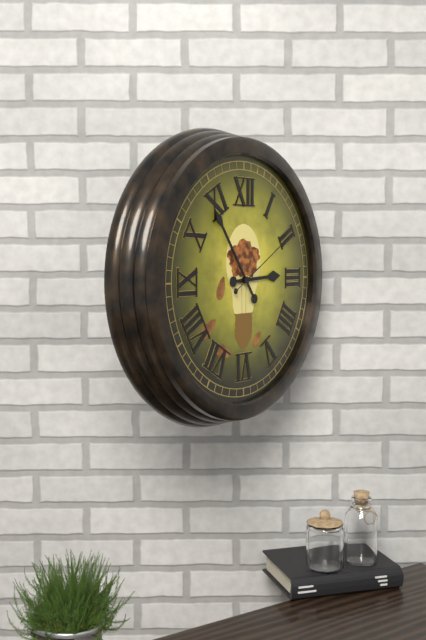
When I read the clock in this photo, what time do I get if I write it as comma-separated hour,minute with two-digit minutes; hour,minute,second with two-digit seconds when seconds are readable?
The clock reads 2,54,10
